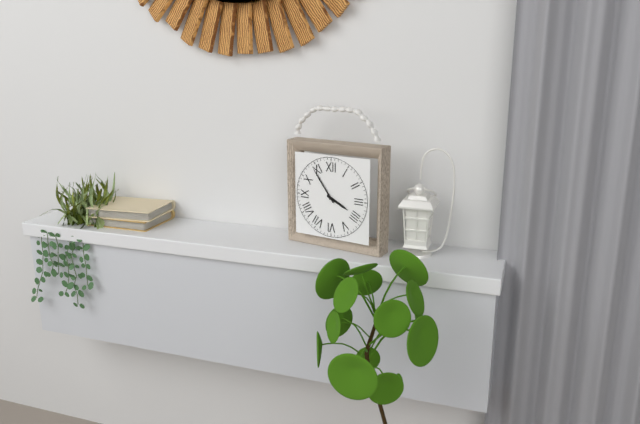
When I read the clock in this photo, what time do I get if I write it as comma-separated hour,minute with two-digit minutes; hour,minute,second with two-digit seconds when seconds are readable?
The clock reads 3,54
